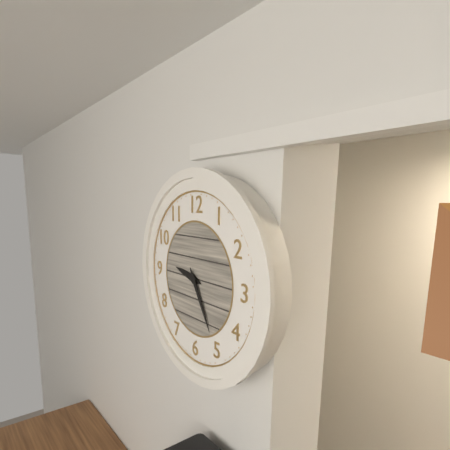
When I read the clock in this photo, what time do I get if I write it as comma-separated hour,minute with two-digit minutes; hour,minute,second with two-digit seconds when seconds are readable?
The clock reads 9,25
